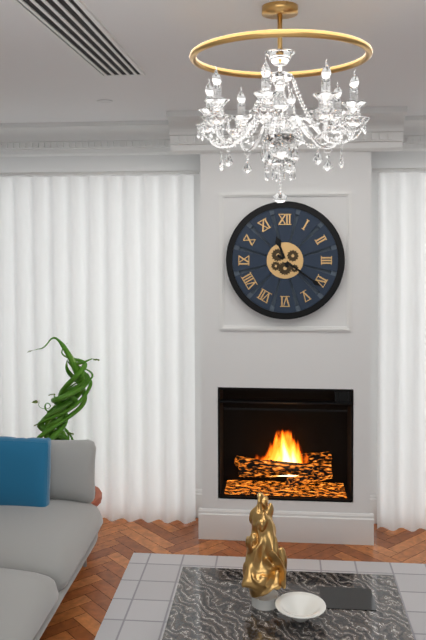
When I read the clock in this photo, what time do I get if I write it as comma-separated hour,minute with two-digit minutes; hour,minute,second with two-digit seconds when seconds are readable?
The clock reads 11,21
